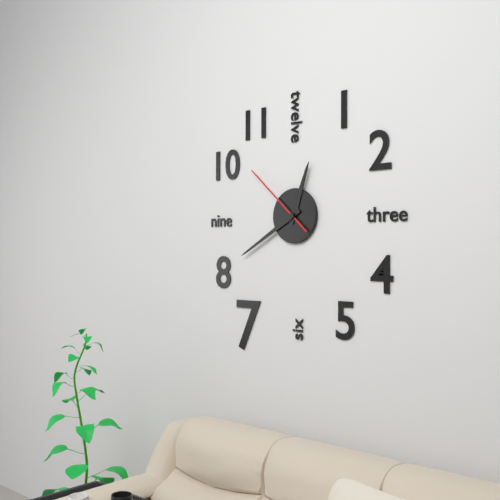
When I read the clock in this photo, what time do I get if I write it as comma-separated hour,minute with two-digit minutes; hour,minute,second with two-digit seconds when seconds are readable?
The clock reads 12,40,52
